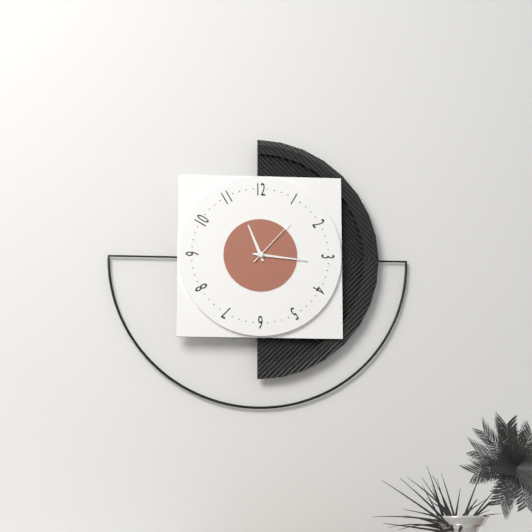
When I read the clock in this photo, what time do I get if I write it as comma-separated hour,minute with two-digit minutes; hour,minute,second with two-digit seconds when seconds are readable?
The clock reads 11,16,07
